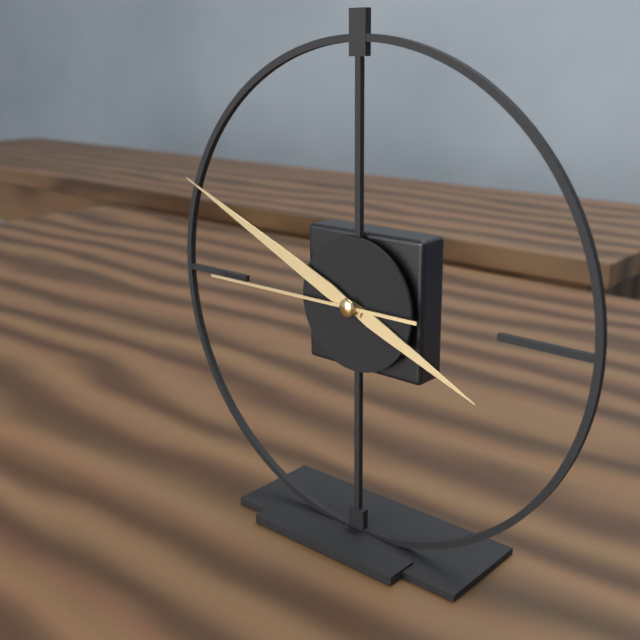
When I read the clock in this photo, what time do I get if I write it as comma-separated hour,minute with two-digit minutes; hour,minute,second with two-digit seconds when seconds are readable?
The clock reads 3,49,45
